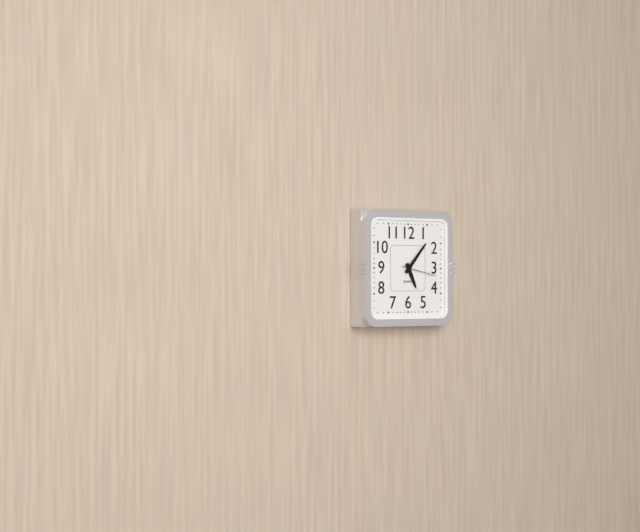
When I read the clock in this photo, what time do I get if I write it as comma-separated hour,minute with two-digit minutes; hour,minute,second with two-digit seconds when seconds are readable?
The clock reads 5,07,17
